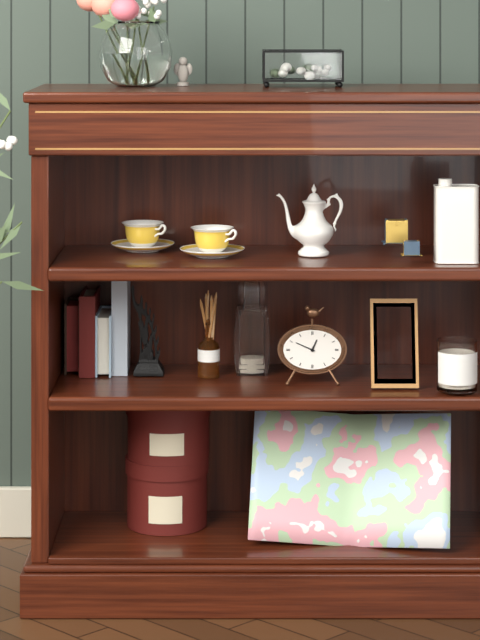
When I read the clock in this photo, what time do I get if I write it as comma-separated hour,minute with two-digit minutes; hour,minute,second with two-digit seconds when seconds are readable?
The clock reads 12,49
